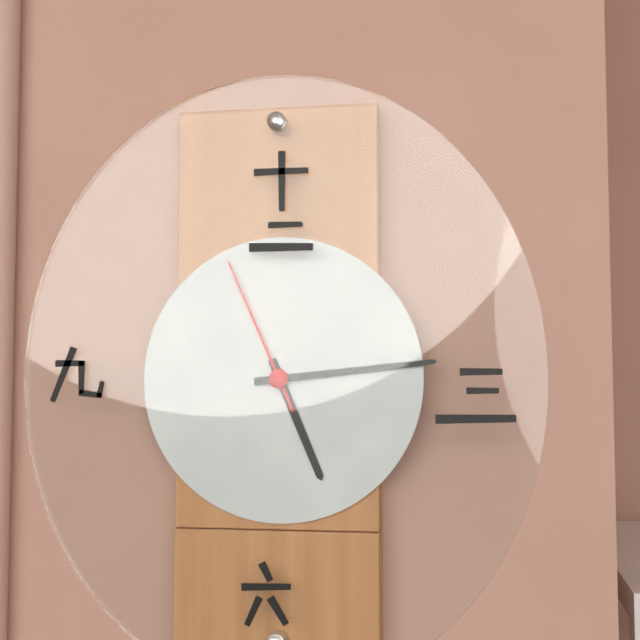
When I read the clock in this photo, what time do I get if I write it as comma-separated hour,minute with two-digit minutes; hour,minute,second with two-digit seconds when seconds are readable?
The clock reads 5,14,56
